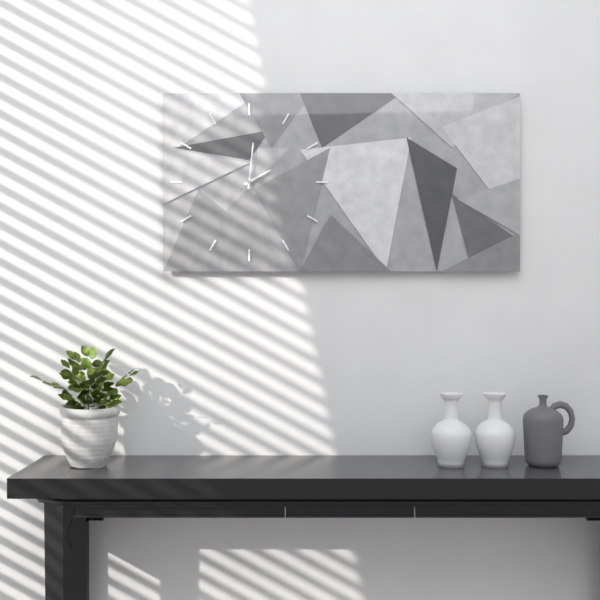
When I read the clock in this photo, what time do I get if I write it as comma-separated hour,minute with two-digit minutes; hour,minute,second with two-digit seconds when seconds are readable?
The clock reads 2,01
